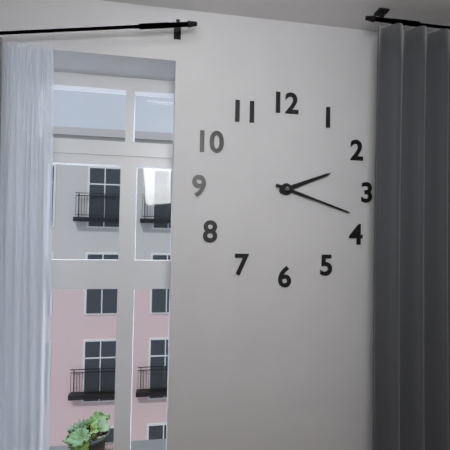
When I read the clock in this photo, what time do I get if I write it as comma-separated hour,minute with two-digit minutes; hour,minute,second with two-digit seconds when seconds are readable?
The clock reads 2,18
